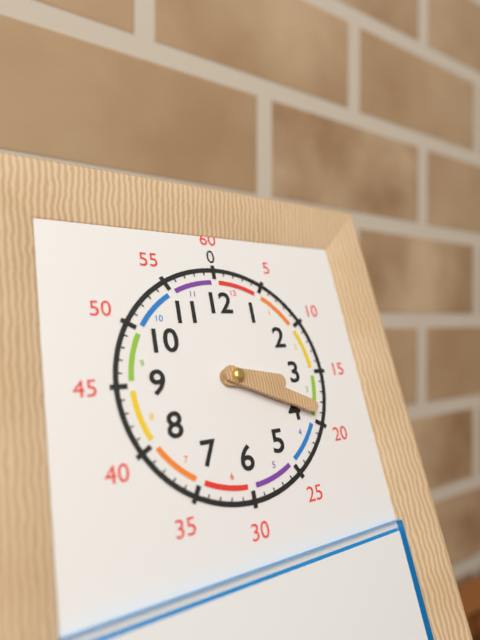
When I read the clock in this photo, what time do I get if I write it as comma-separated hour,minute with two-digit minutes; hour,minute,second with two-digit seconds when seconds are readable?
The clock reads 3,19
